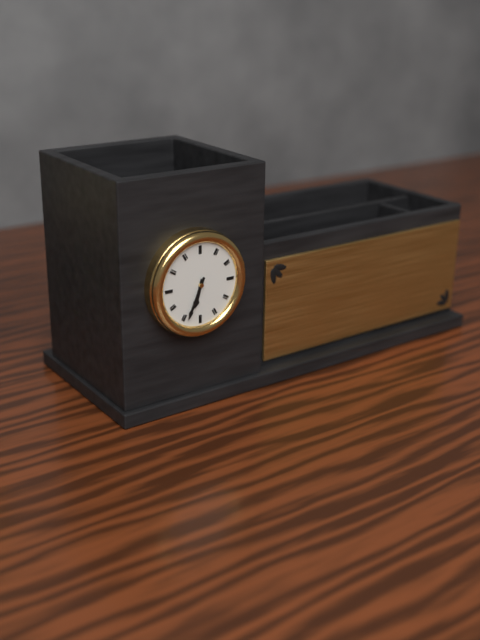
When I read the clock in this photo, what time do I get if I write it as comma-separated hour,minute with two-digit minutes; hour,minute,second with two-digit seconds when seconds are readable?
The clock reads 6,34
